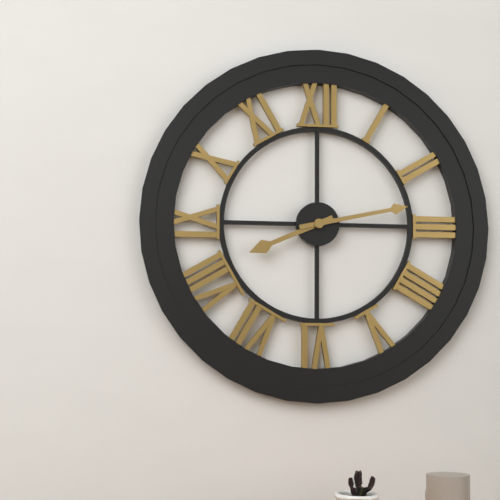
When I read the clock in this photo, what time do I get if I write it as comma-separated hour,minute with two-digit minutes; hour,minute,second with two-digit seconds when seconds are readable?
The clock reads 8,13
